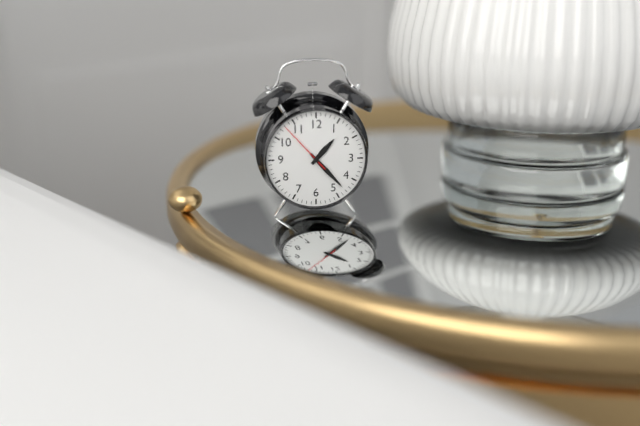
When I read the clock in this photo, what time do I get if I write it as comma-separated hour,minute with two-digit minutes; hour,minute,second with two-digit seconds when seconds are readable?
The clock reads 1,23,53
